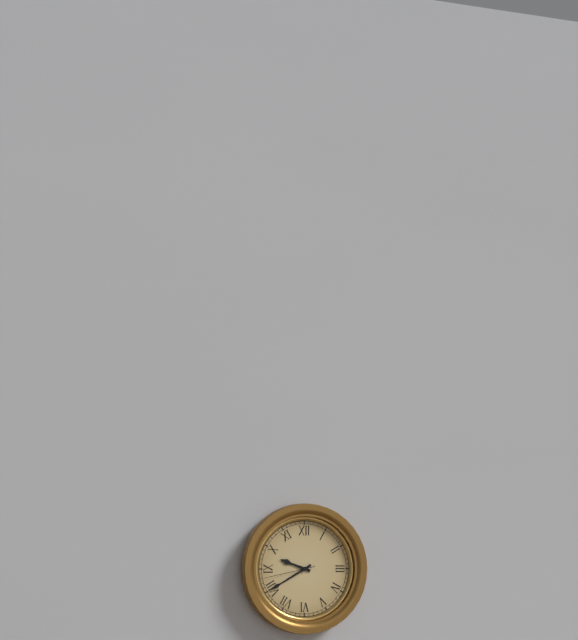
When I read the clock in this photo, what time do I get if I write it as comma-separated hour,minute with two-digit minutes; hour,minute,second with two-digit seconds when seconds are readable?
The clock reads 9,40,43
